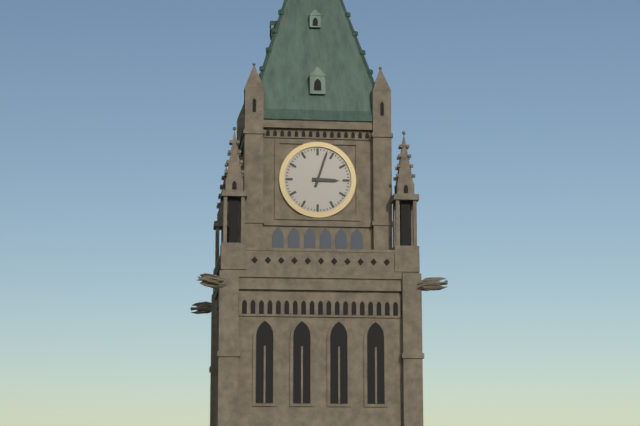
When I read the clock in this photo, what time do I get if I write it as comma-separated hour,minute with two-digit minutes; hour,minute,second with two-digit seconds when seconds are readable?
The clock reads 3,03
